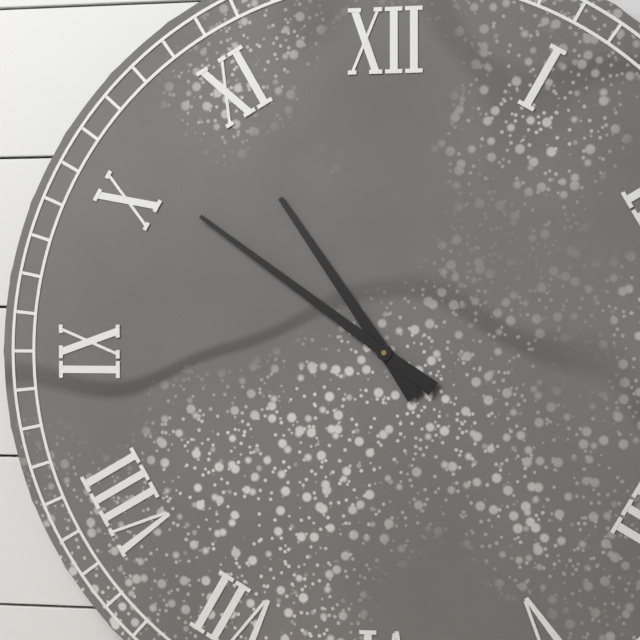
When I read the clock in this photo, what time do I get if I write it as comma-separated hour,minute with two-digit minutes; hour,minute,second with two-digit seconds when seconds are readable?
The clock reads 10,51
